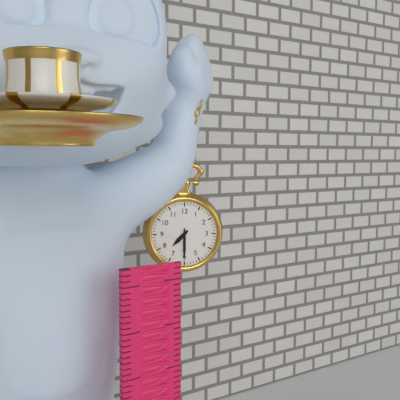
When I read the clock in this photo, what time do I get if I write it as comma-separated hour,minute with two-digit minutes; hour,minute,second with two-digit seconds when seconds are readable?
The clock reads 7,30
